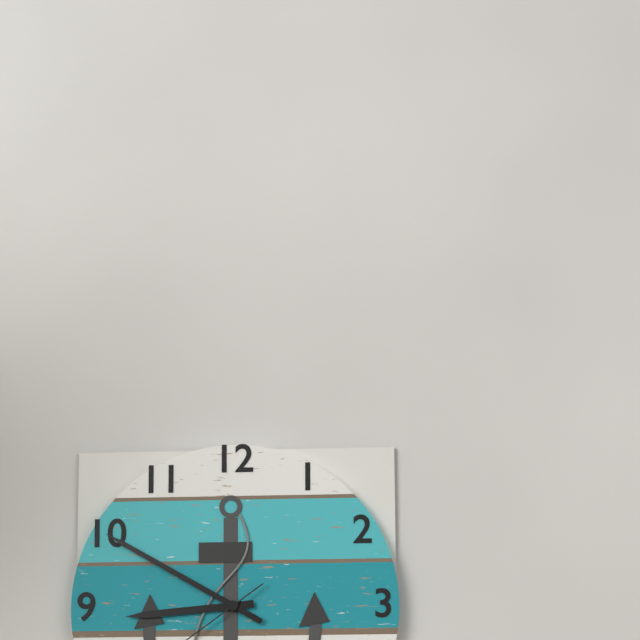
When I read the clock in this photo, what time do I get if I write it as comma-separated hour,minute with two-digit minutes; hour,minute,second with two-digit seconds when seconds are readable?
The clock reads 8,50
